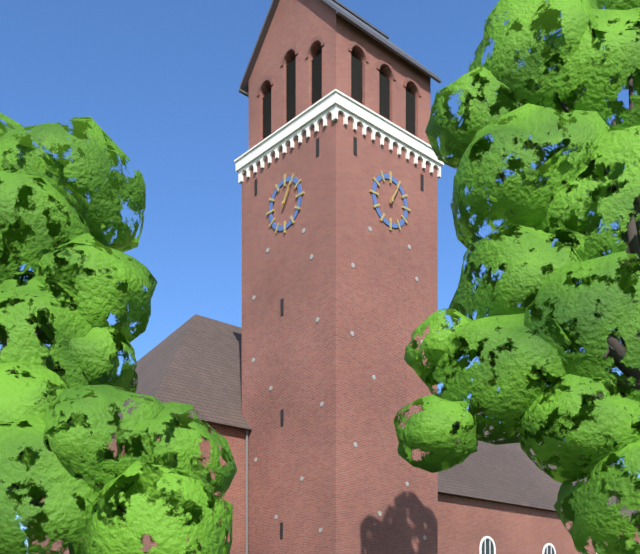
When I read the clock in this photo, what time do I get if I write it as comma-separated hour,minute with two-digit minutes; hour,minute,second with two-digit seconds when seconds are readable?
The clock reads 1,05
